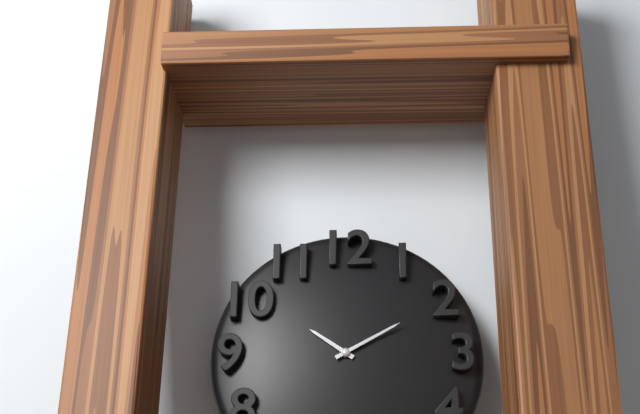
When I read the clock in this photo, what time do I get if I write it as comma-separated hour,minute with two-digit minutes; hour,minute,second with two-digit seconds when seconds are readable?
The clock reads 10,10
